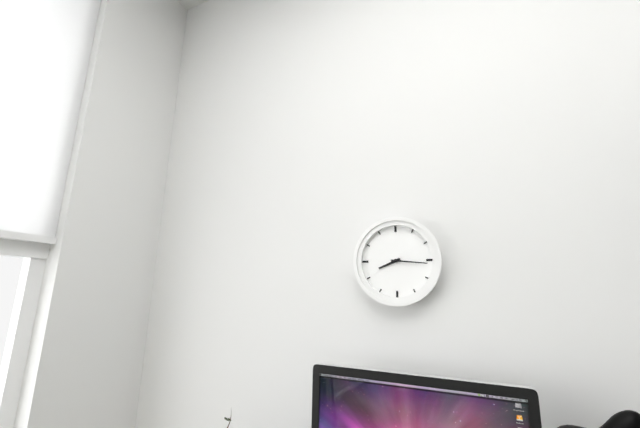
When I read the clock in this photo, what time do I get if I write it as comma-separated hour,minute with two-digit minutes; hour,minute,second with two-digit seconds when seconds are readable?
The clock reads 8,16
